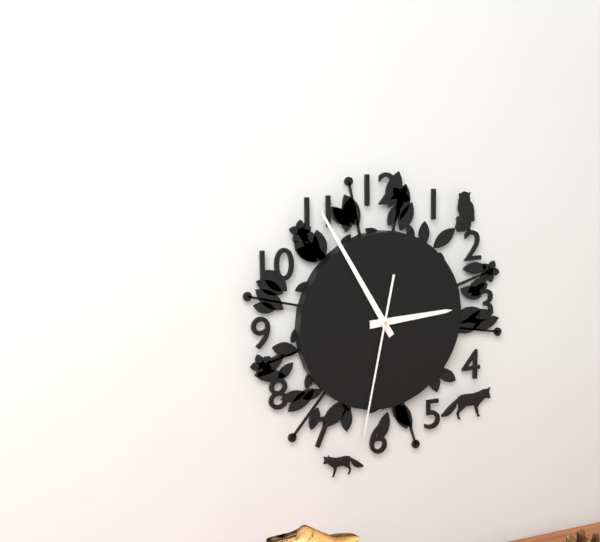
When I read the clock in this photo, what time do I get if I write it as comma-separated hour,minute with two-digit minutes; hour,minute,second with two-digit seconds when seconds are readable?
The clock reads 2,55,32
